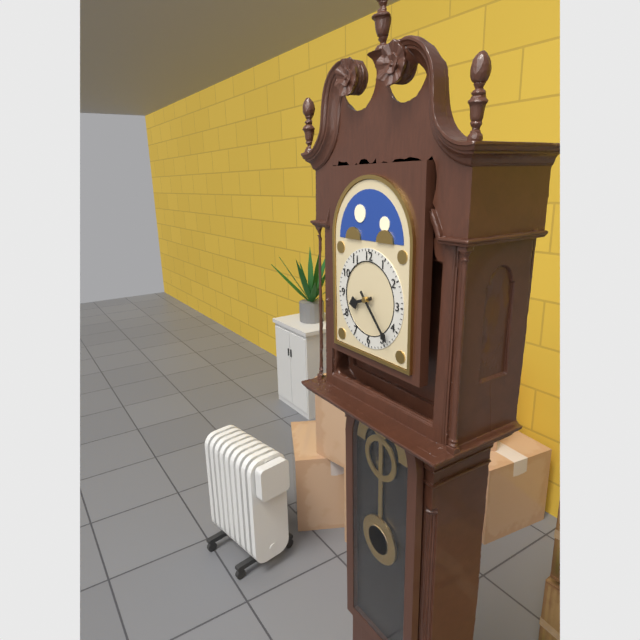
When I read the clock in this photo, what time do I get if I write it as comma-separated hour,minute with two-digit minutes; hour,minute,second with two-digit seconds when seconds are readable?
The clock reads 8,23
